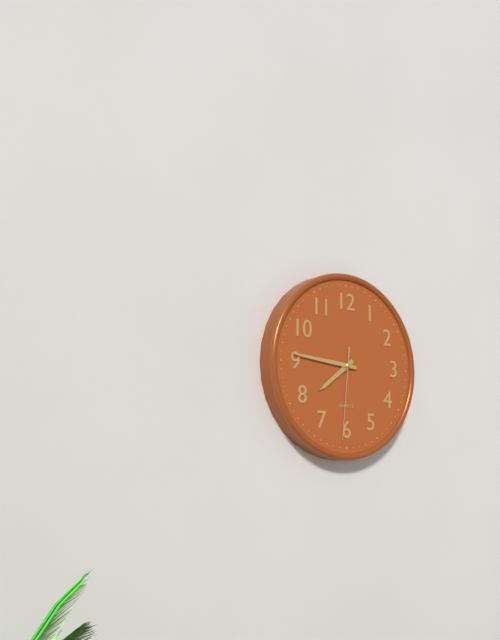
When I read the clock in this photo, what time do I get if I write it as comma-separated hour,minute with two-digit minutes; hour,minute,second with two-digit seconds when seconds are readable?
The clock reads 7,46,31
